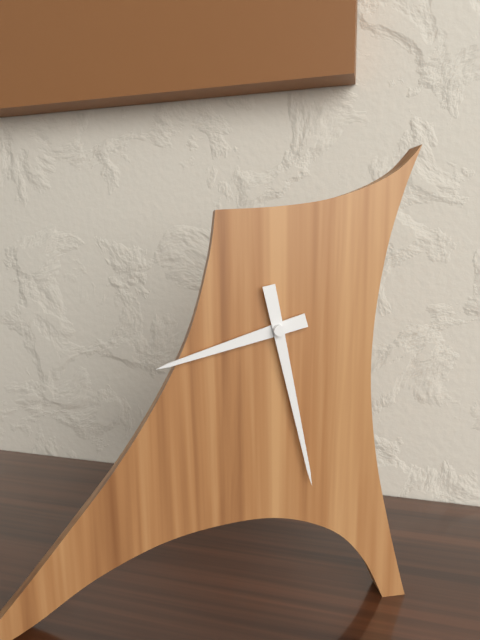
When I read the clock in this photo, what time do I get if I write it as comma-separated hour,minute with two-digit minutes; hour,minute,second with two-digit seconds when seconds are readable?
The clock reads 8,28
